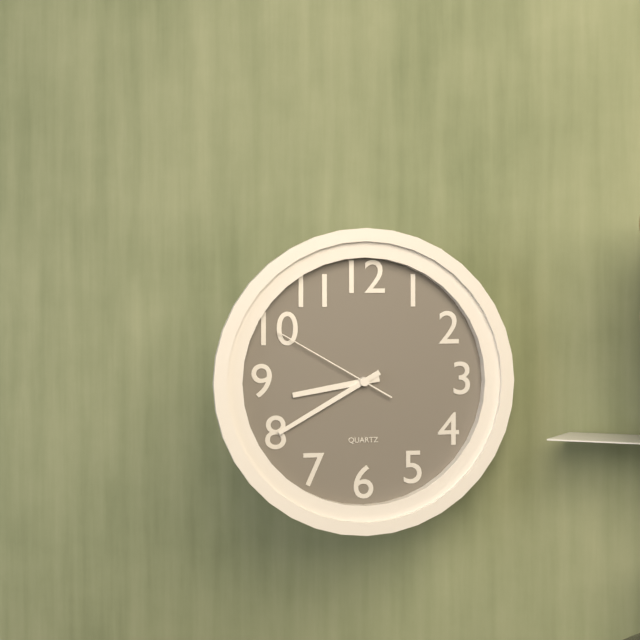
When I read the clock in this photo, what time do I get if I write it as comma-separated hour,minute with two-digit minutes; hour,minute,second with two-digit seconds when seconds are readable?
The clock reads 8,40,50
